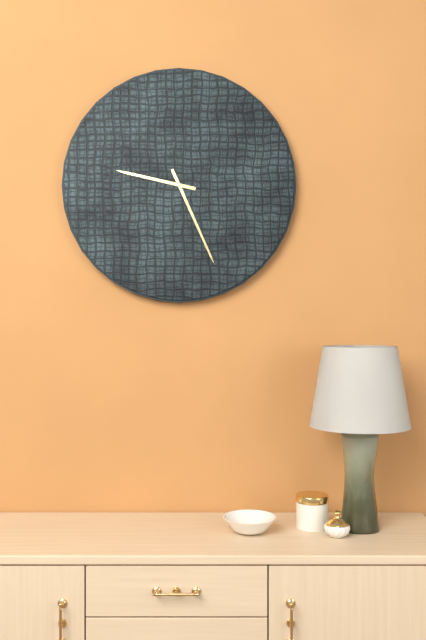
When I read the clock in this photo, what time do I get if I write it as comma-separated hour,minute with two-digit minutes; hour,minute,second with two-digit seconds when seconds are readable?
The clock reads 9,26
